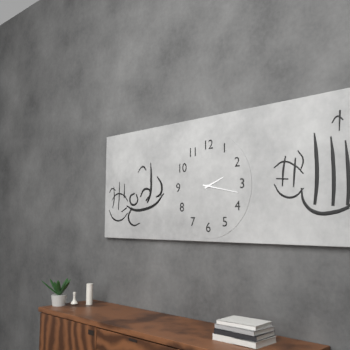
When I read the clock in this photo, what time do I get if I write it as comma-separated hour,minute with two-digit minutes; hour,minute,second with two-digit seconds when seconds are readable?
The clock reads 2,17
